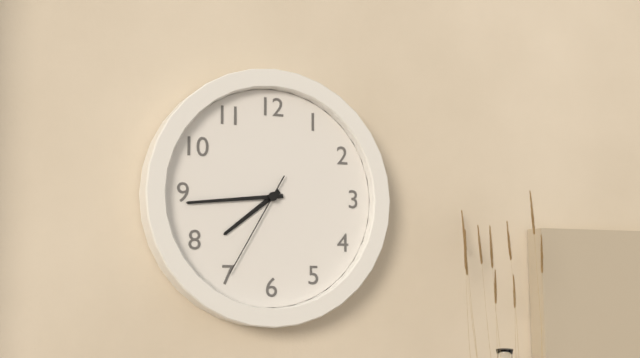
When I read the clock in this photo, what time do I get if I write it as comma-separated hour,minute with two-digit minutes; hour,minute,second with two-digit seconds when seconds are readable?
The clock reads 7,44,35
